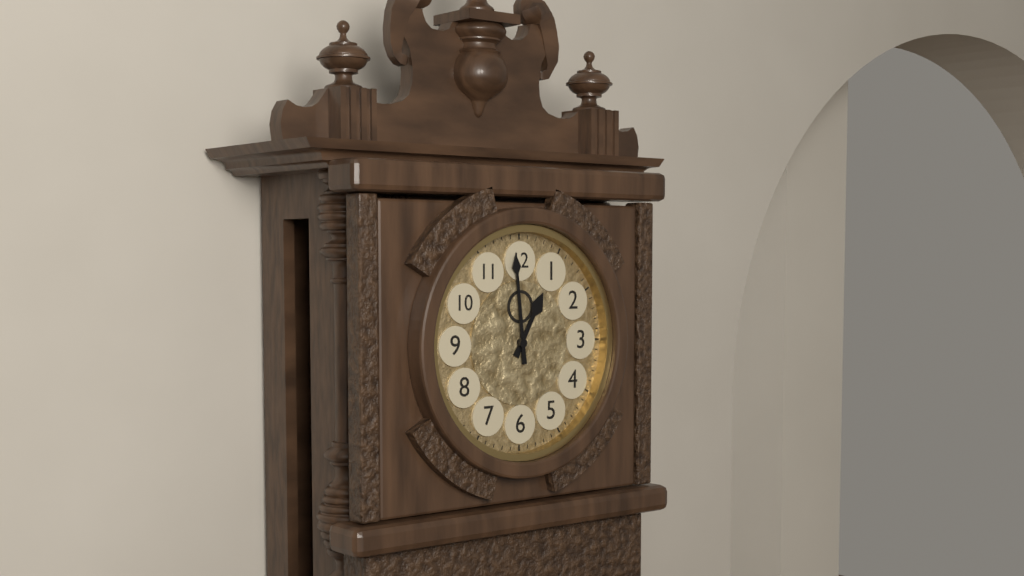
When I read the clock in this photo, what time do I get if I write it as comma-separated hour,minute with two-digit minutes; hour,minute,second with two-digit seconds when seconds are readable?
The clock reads 12,59
